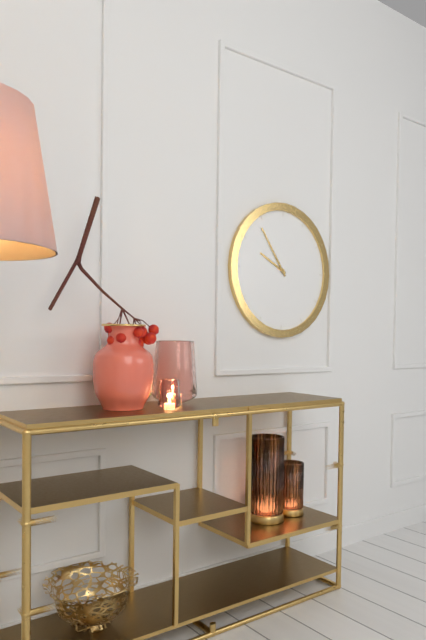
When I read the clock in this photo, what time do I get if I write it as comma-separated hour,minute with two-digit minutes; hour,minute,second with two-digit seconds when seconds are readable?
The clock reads 9,54
